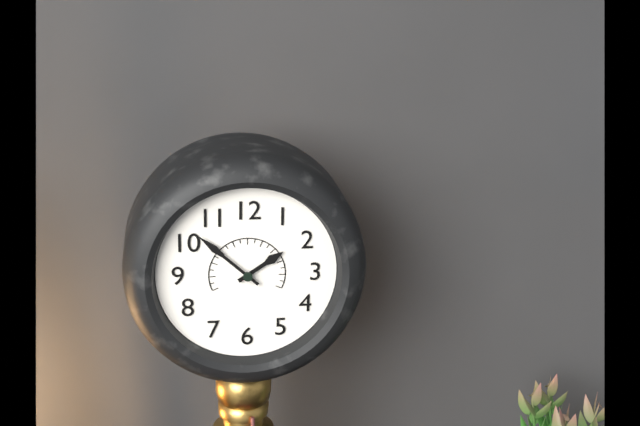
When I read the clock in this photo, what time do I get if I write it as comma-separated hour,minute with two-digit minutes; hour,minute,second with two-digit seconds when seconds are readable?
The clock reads 1,52
